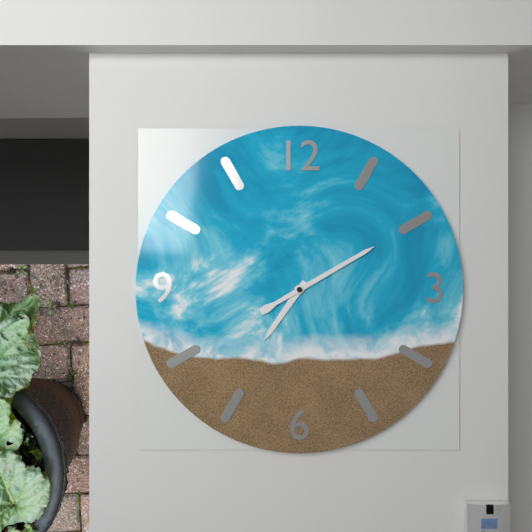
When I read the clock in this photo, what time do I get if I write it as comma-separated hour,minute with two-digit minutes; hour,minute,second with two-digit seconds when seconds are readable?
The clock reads 7,10
